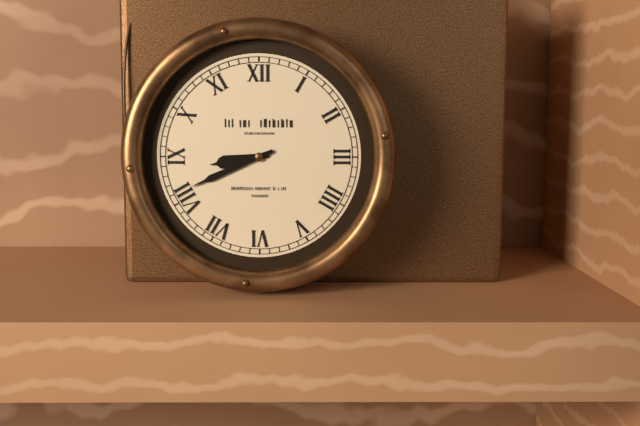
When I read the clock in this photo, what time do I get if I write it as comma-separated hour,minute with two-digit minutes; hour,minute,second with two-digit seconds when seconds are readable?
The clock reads 8,41
